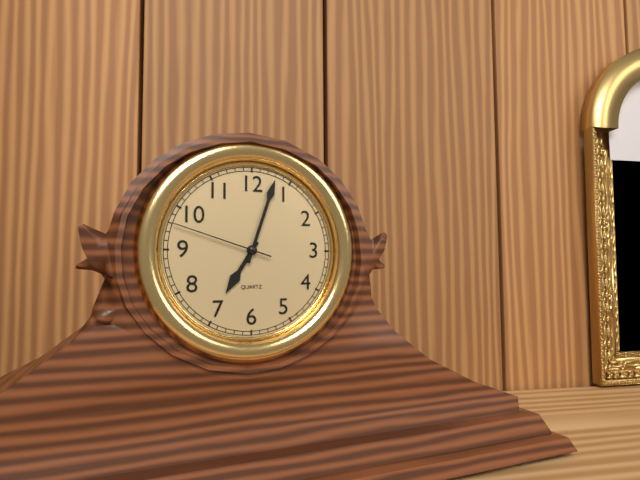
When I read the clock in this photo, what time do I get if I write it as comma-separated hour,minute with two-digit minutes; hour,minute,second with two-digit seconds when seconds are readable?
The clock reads 7,03,48
